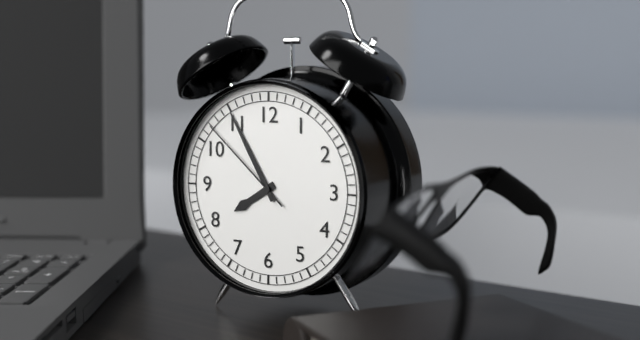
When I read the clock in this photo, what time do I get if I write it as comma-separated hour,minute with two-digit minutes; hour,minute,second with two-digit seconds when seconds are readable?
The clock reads 7,55,52
